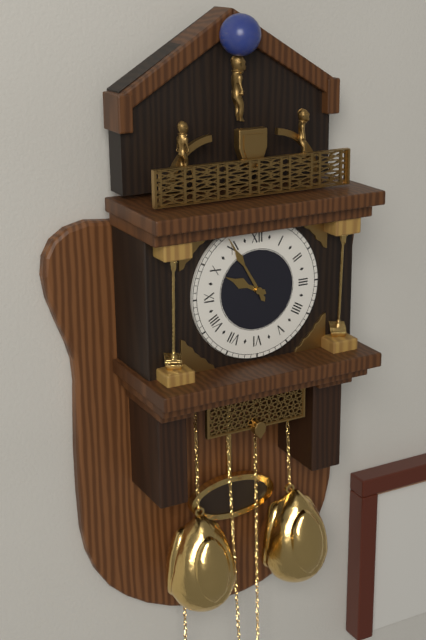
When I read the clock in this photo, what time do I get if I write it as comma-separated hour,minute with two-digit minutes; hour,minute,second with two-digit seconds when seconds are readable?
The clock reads 9,55
